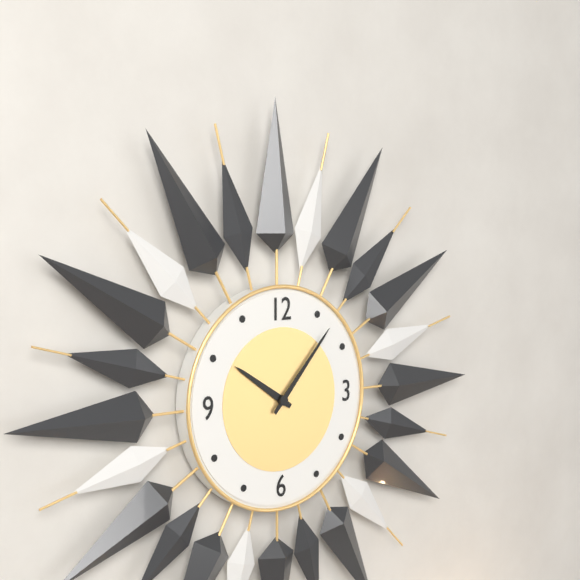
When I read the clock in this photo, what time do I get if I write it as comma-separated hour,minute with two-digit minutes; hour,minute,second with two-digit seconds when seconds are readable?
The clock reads 10,07
